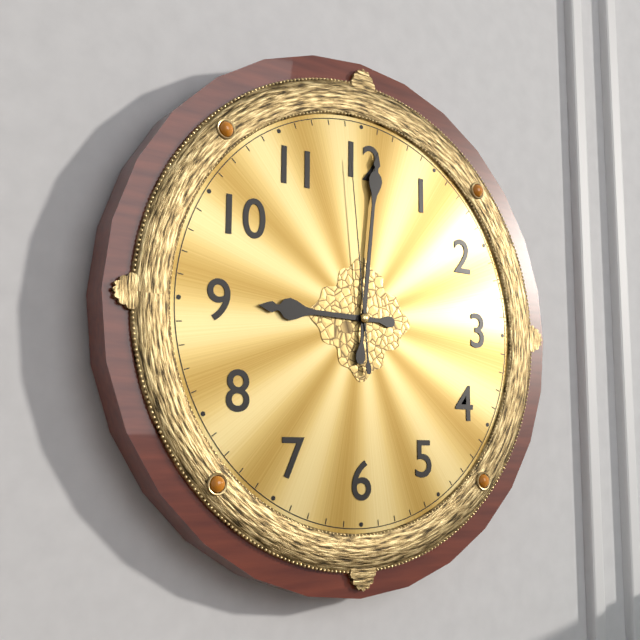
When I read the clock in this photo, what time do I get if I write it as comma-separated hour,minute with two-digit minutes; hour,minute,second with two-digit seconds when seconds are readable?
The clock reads 9,01,59
